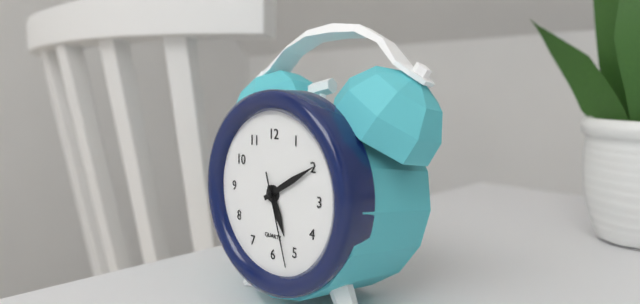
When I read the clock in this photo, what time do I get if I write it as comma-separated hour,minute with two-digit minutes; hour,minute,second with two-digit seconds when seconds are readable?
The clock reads 5,10,27
